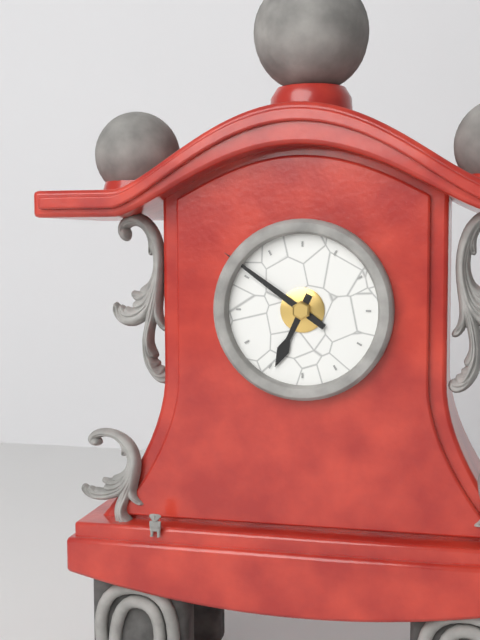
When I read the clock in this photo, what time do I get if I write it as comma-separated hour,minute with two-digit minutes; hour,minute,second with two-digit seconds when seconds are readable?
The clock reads 6,51
